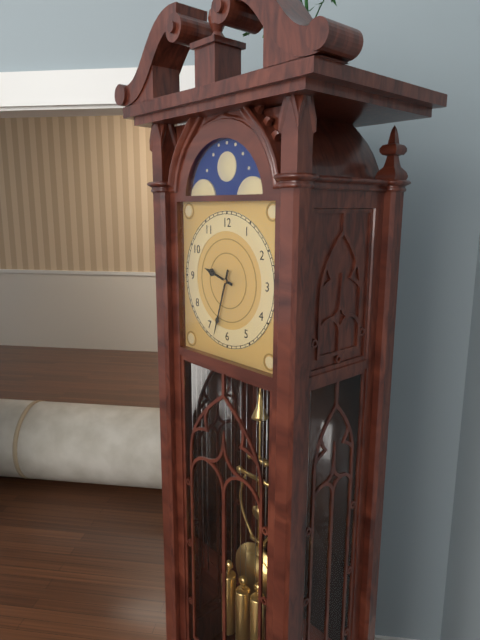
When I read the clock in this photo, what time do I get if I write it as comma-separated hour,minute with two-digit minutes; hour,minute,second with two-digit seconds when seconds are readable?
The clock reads 9,33
